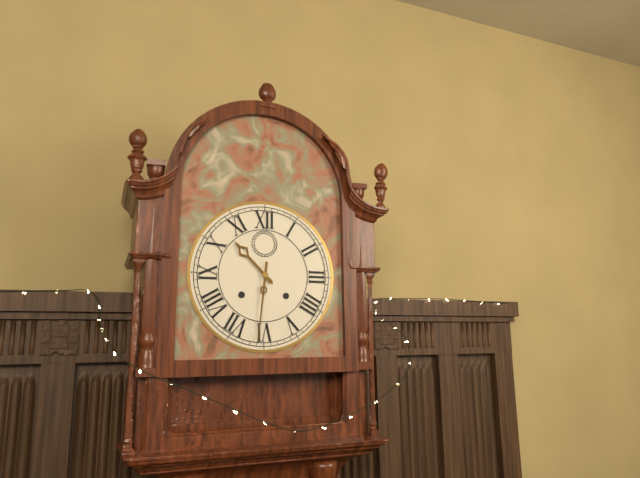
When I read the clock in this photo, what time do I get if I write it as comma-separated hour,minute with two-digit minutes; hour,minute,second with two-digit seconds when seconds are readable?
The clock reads 10,31
